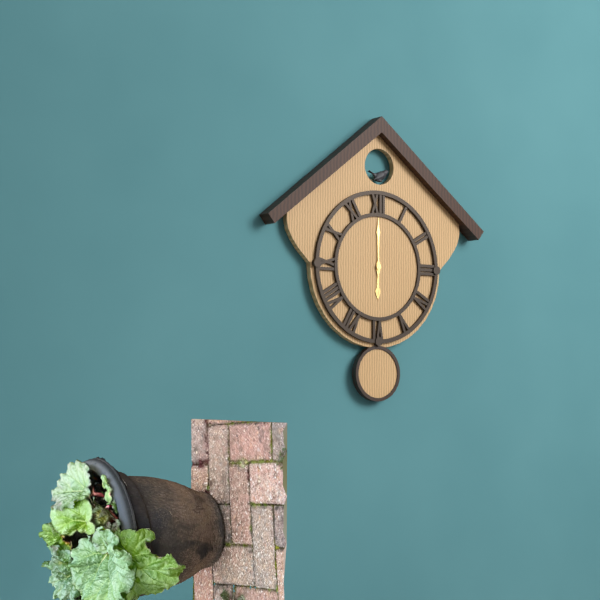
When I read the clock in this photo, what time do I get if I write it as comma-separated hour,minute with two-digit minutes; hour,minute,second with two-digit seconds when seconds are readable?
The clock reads 6,00
